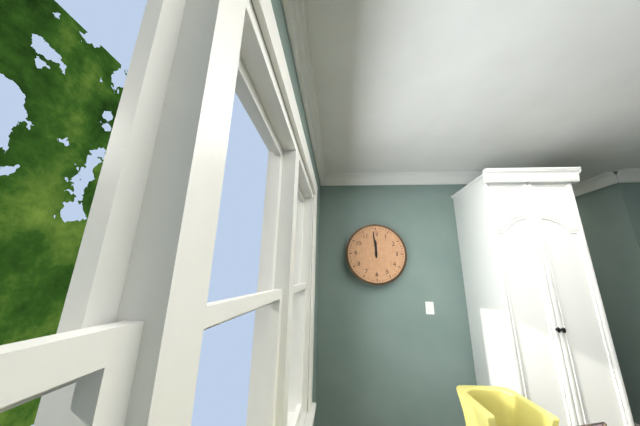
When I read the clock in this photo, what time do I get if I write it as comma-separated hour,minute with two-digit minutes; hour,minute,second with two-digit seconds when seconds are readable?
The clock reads 11,59
